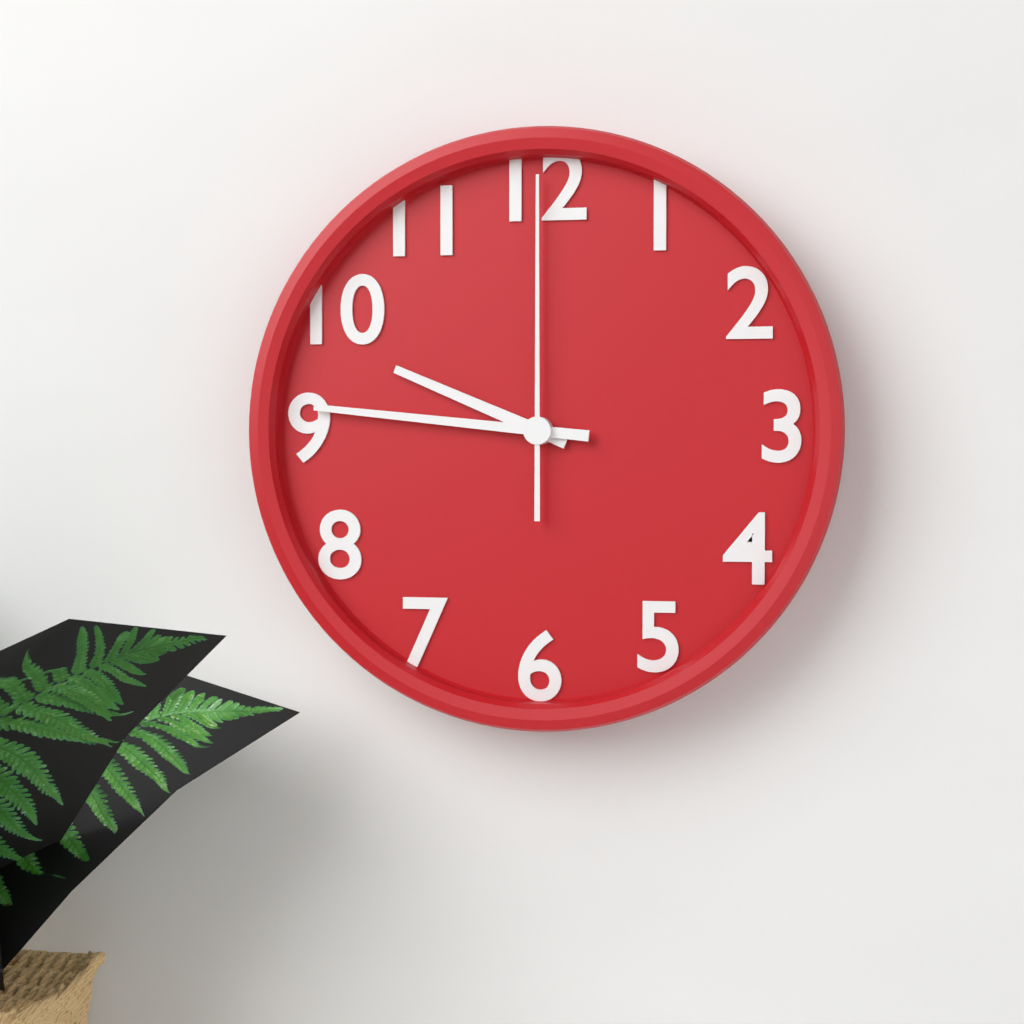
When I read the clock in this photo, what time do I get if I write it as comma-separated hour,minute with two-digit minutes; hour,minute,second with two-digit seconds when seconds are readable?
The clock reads 9,46,00
